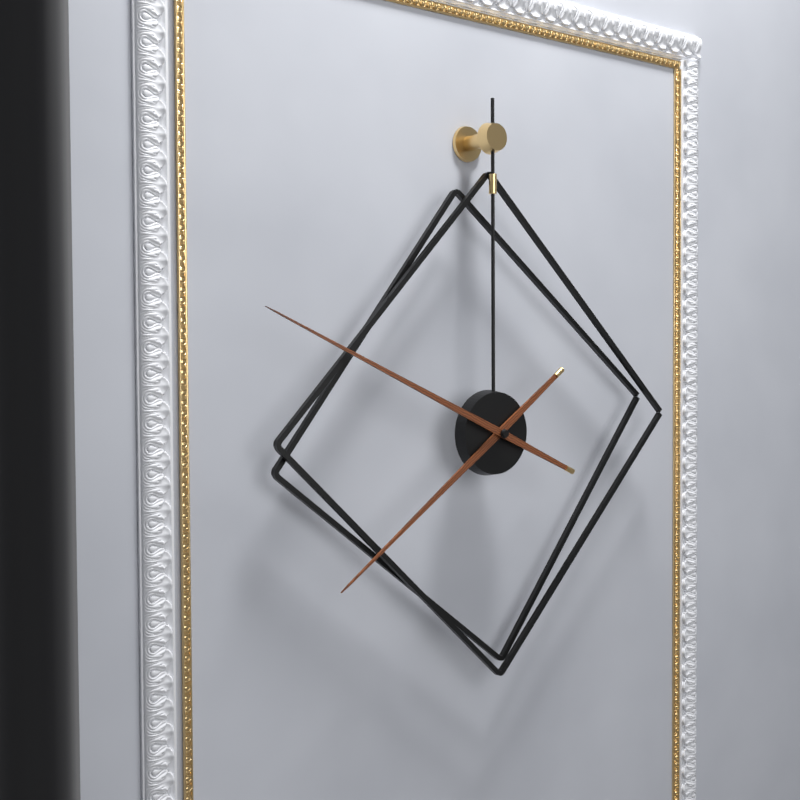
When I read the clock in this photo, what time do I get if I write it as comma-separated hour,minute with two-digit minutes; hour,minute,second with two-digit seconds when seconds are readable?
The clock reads 7,49
